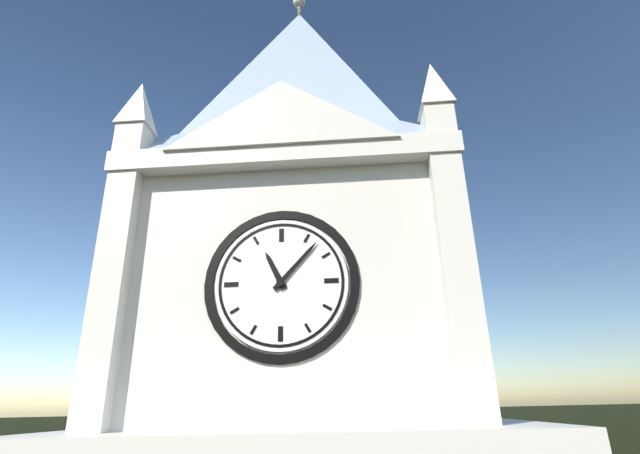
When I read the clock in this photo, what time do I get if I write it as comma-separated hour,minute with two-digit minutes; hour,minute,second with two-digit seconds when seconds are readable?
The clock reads 11,07
